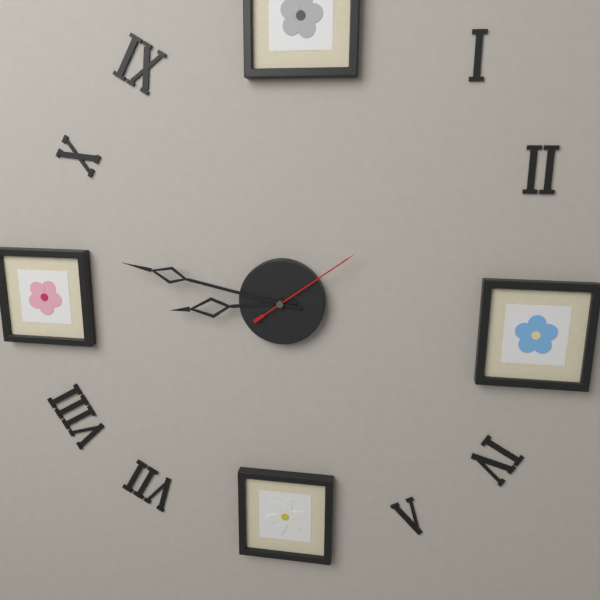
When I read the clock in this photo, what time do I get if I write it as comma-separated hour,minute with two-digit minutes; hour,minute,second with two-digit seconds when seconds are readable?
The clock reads 8,47,09
